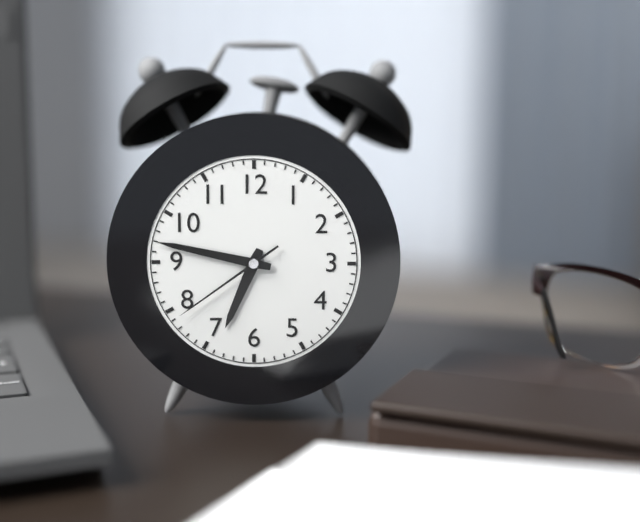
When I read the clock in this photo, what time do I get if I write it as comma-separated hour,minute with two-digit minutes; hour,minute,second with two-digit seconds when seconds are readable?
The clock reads 6,47,39
